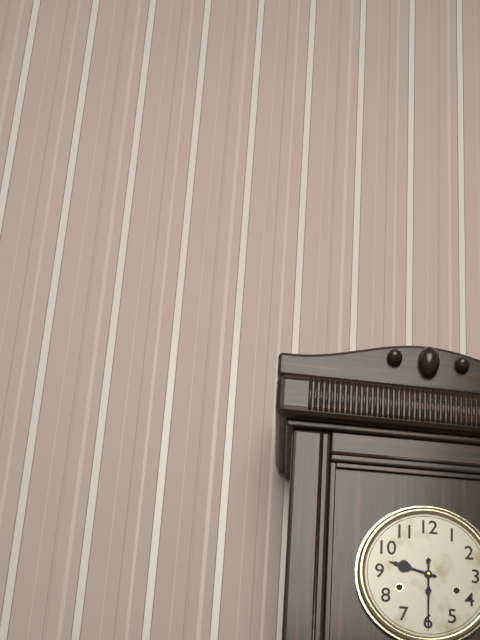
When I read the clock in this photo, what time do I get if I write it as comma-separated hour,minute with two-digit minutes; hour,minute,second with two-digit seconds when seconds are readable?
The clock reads 9,30
